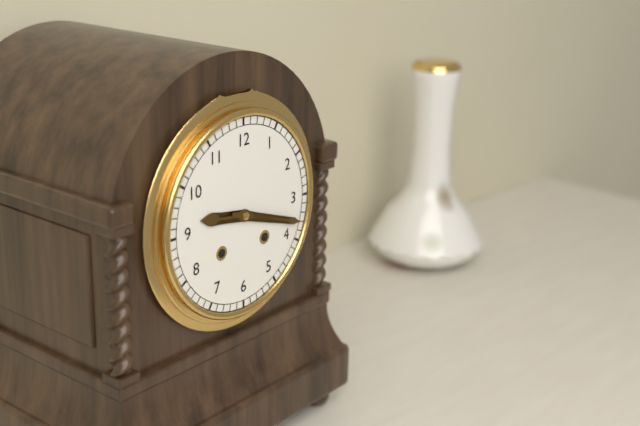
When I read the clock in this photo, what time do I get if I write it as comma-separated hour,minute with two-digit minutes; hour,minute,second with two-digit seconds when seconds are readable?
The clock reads 9,18
